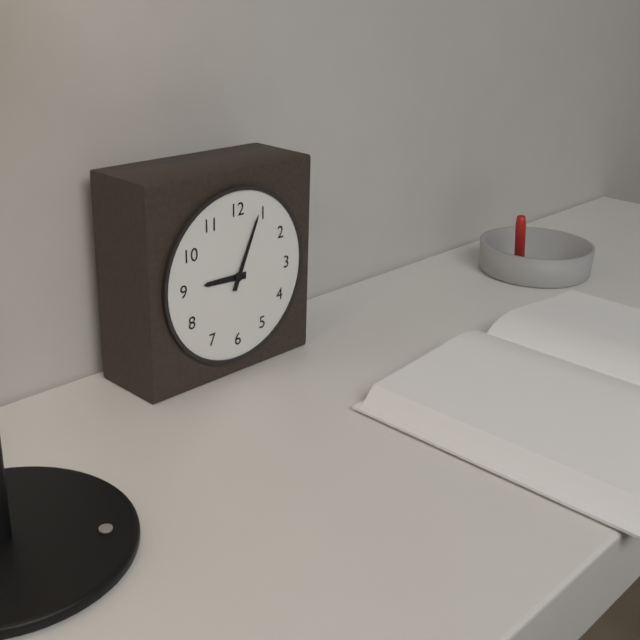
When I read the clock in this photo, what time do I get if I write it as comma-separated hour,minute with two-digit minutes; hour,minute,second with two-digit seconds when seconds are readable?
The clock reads 9,04
